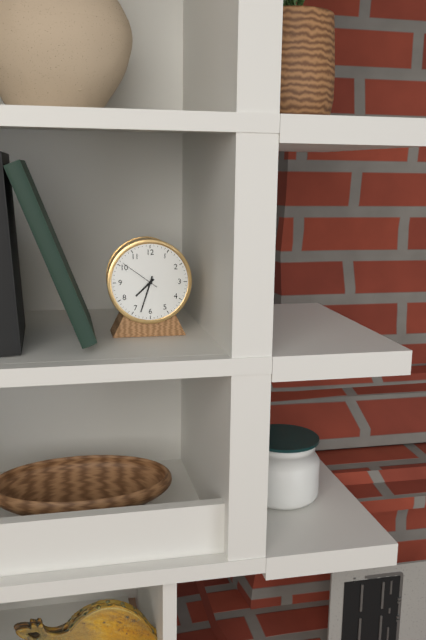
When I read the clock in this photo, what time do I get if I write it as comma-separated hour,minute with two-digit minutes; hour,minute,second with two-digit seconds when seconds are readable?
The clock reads 7,33
